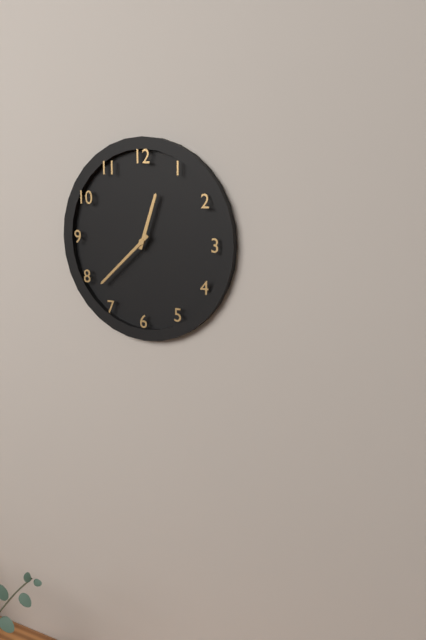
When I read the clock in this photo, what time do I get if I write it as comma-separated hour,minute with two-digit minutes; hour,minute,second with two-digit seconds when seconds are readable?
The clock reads 12,38
